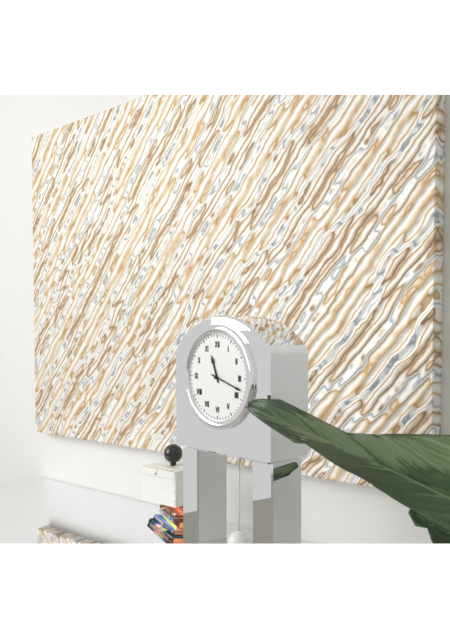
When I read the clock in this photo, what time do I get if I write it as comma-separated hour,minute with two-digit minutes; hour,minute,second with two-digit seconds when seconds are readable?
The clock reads 11,18
